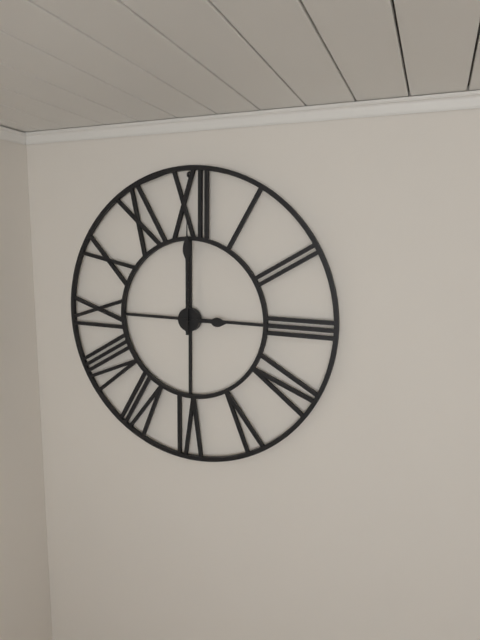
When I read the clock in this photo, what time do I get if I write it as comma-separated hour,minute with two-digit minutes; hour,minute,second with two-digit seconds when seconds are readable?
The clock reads 3,00
